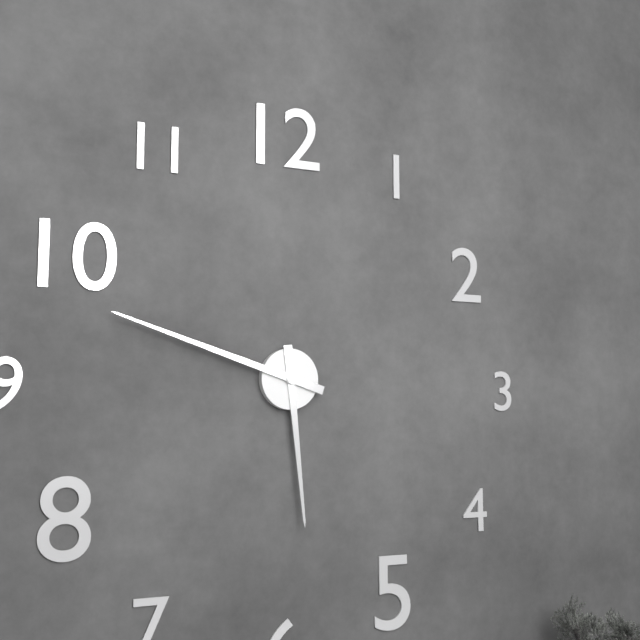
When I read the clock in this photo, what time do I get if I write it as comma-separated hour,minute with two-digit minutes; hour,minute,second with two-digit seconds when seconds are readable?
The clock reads 5,48
